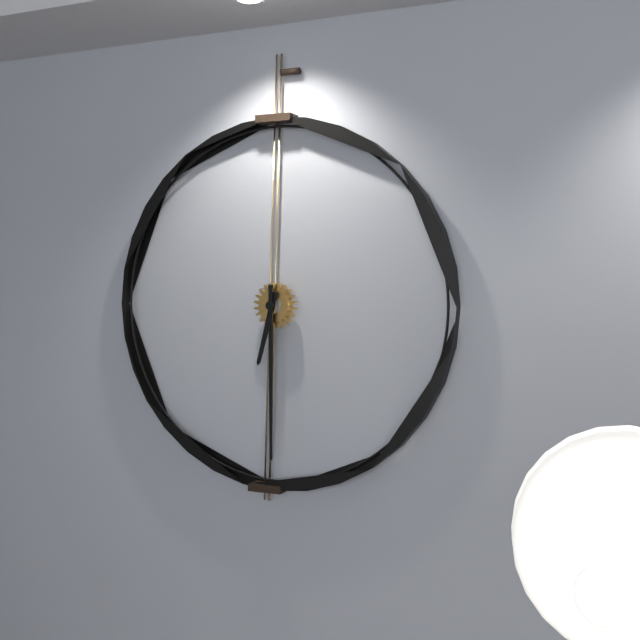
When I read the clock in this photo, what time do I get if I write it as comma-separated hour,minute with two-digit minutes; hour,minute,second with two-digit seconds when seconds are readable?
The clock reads 6,30
